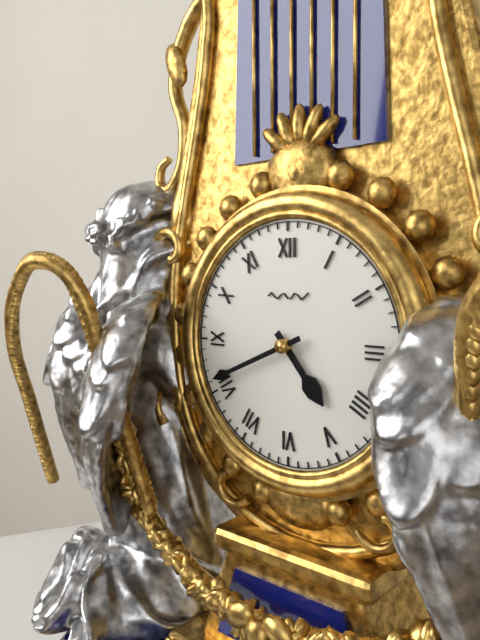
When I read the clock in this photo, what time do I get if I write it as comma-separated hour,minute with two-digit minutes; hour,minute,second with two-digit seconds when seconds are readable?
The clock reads 4,41
